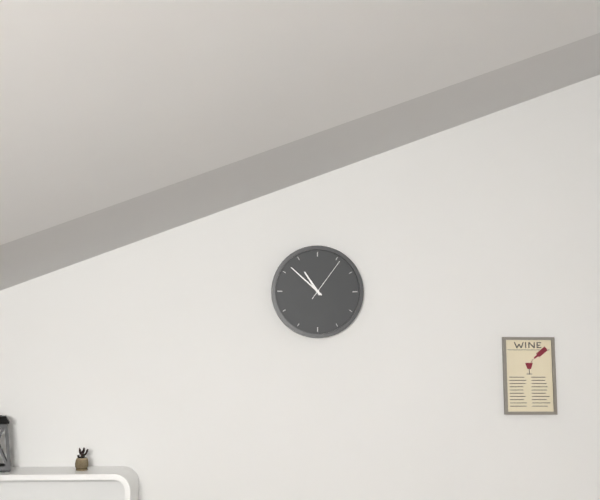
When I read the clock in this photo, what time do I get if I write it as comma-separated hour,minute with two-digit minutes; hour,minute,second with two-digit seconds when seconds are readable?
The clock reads 10,52
